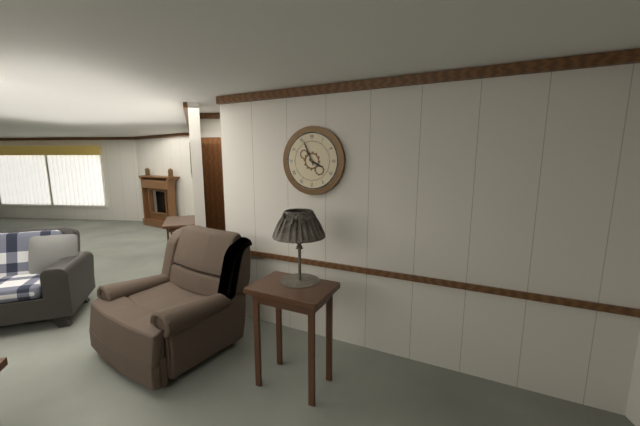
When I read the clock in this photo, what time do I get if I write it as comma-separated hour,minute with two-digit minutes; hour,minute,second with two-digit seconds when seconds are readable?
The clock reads 3,56
